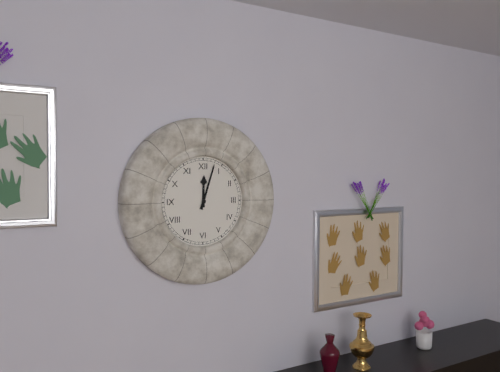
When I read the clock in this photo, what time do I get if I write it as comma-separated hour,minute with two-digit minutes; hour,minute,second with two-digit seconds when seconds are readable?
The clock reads 12,03
